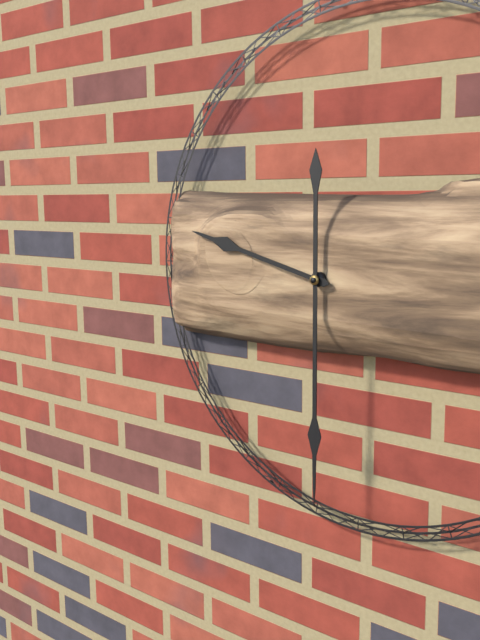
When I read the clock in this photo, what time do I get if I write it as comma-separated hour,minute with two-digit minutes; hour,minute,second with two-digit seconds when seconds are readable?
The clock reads 9,30
